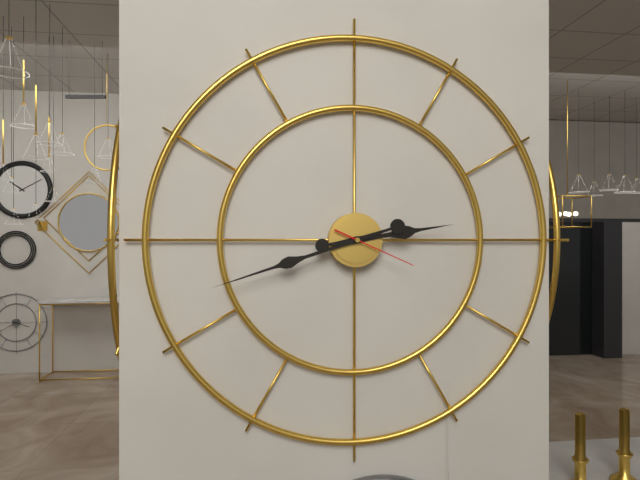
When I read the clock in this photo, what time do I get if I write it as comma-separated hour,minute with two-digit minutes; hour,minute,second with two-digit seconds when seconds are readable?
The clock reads 2,42,19
